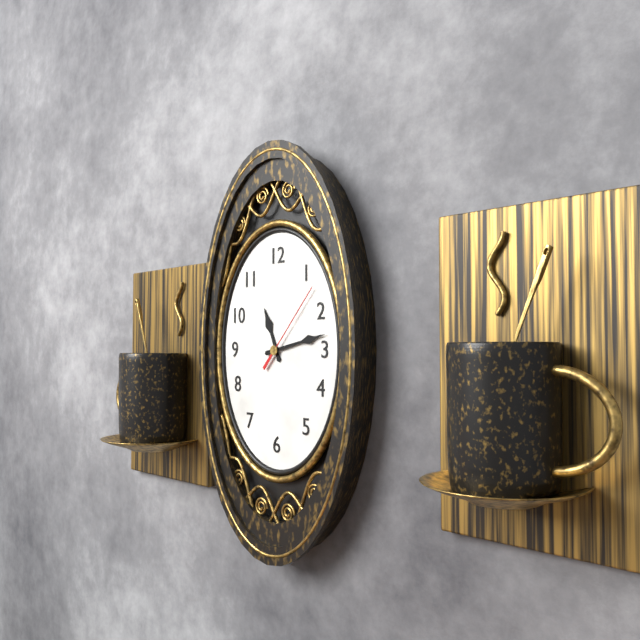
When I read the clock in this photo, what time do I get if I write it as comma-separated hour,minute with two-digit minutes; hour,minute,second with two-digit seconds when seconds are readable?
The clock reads 11,13,07
